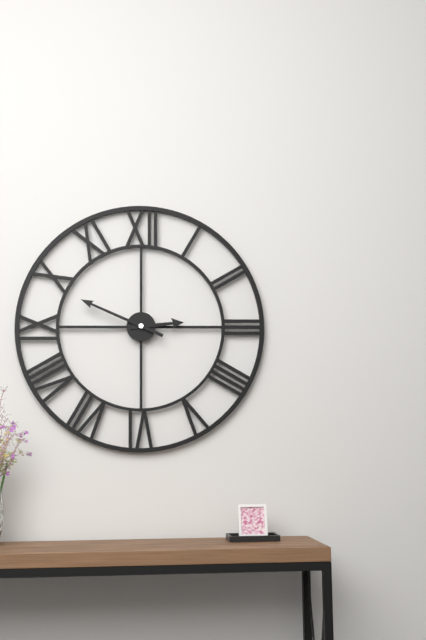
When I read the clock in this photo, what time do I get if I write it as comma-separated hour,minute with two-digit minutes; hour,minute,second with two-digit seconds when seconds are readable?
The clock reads 2,49
